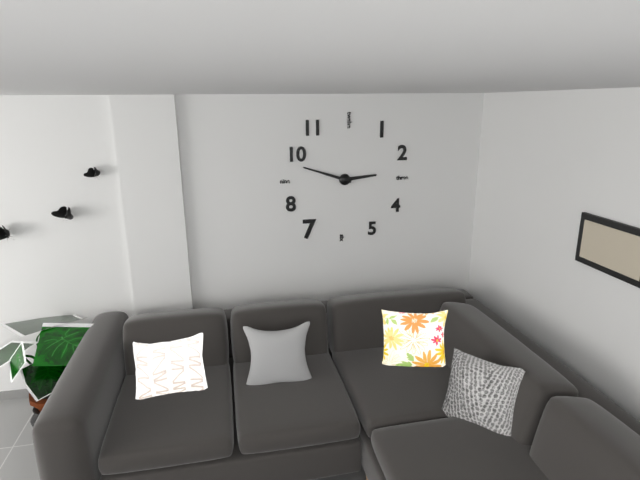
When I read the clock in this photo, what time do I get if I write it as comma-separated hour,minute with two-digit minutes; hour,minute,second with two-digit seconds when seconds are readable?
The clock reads 2,48
